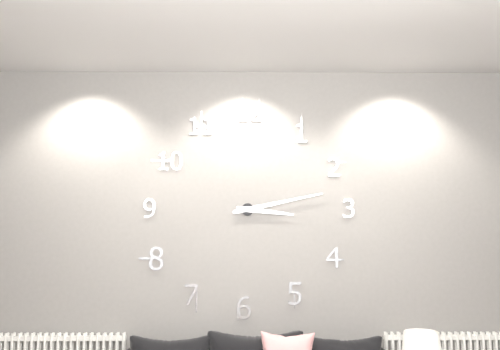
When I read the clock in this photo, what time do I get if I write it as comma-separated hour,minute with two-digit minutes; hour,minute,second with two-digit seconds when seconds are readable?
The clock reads 3,13
